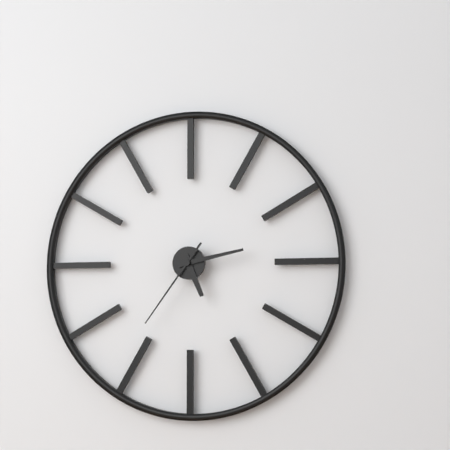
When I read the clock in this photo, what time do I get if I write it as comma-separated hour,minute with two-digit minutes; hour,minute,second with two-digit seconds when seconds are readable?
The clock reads 5,13,36
